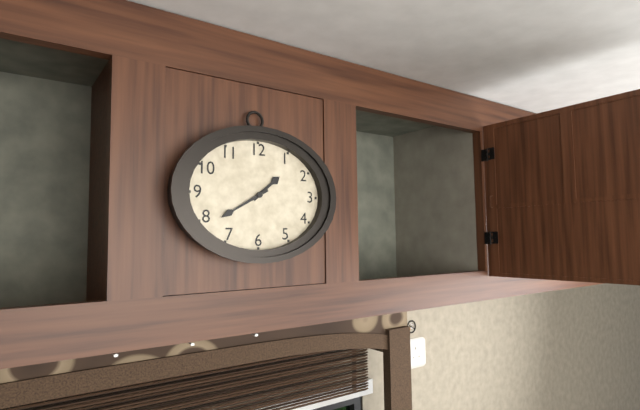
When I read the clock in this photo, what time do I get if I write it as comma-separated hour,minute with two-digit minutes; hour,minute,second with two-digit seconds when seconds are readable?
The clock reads 1,40
